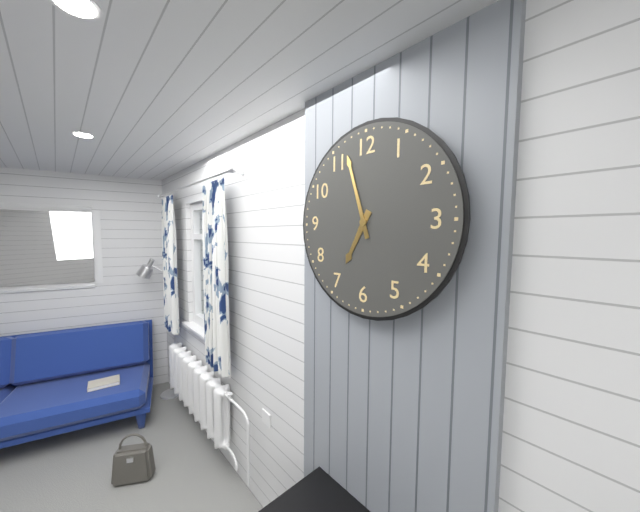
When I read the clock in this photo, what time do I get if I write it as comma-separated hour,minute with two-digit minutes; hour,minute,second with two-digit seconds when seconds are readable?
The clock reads 6,57
